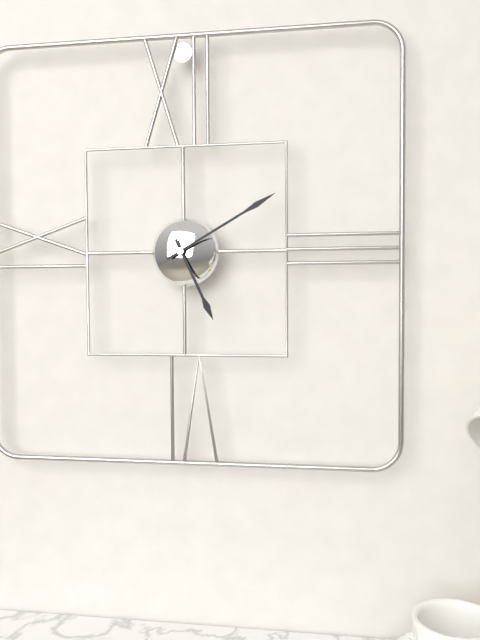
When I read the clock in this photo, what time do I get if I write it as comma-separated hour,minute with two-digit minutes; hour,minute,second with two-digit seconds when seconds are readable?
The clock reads 5,10
